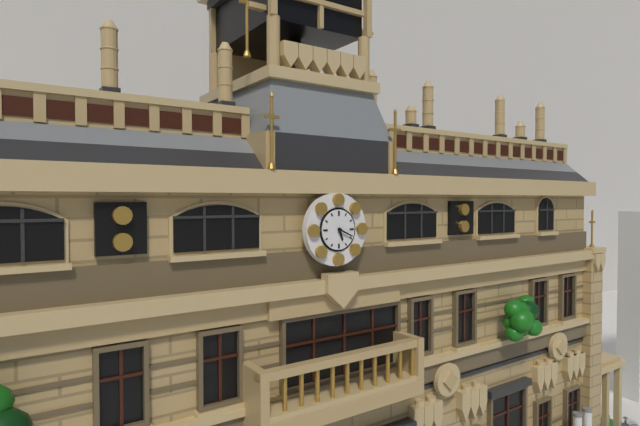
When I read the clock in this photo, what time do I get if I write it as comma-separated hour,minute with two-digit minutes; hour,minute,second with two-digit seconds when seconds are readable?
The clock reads 5,19
